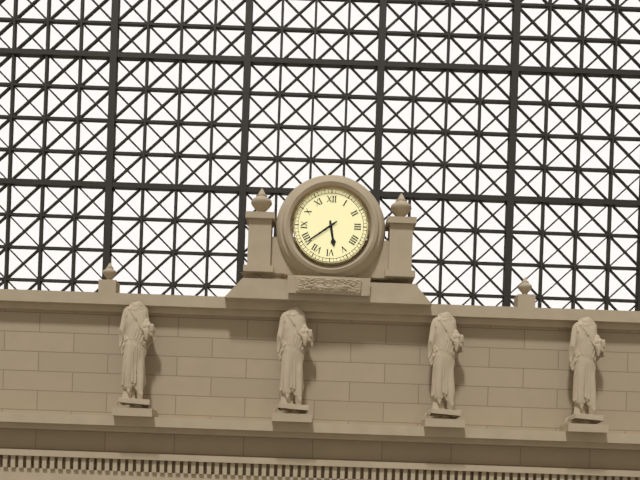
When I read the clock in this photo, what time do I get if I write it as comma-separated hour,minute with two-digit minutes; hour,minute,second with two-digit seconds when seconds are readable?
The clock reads 5,39
